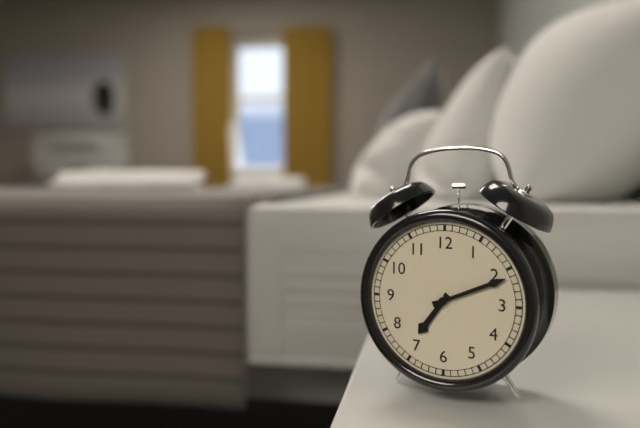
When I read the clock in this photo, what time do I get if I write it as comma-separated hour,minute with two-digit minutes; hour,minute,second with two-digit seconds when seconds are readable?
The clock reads 7,11
